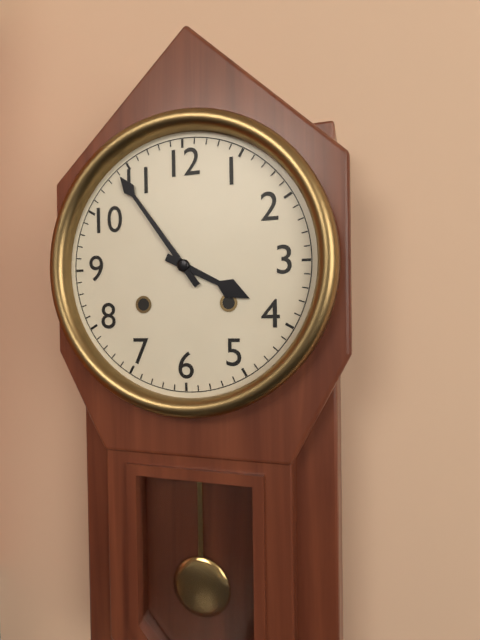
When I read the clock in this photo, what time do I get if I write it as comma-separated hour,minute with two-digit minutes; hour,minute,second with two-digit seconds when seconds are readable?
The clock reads 3,54
